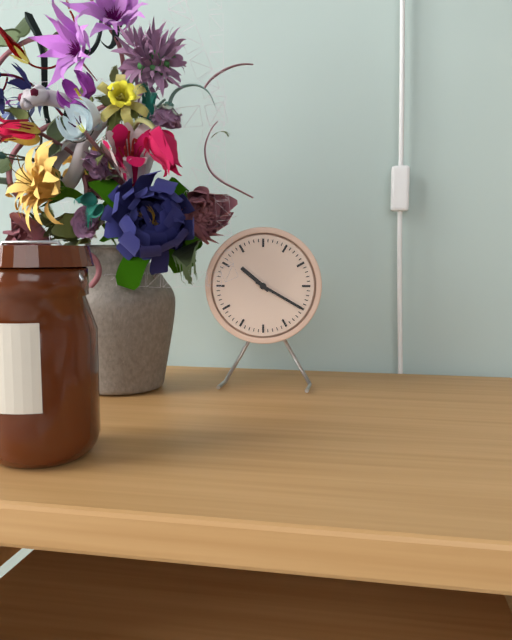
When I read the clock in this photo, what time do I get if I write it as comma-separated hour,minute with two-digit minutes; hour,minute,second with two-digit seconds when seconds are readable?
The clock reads 10,20
